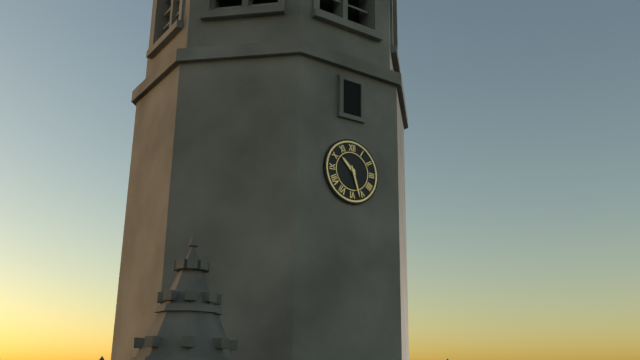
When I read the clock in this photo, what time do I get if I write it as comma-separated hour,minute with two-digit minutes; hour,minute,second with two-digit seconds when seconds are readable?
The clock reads 10,27
